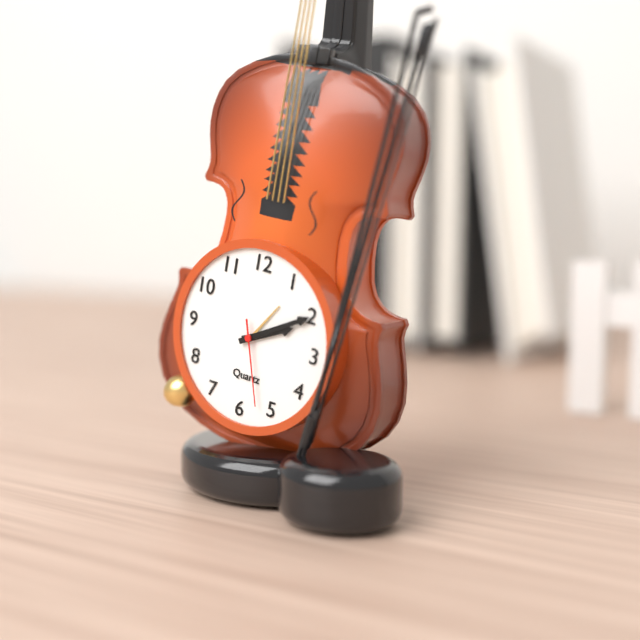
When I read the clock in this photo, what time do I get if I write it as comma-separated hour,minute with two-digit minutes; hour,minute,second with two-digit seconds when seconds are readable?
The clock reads 2,10,27
